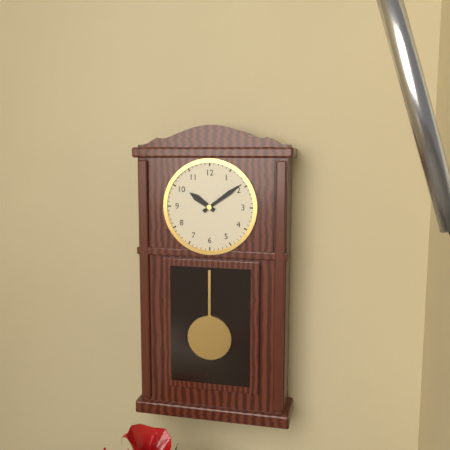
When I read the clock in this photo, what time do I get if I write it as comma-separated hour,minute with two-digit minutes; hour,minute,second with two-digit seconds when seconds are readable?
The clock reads 10,09
